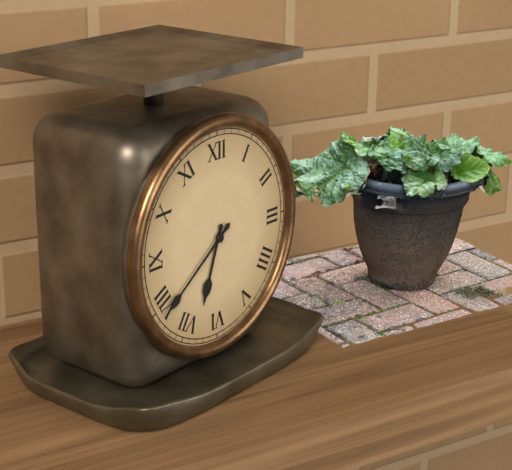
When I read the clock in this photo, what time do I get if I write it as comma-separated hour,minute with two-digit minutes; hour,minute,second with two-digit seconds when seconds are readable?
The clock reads 6,39
